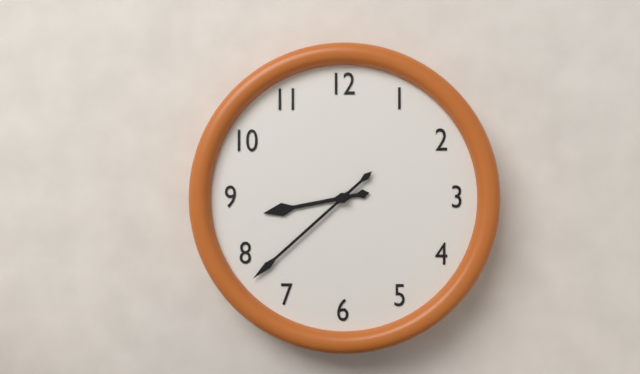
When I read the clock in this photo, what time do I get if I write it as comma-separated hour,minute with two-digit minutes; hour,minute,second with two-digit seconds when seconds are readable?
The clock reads 8,38
